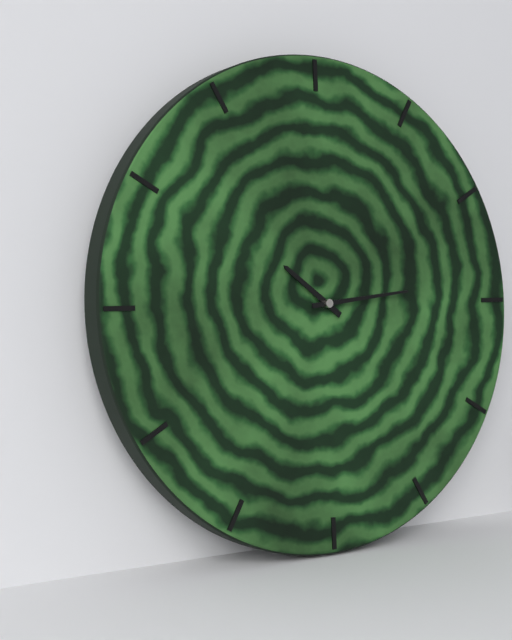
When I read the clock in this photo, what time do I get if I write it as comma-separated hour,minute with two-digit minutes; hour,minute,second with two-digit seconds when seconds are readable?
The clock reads 10,14
